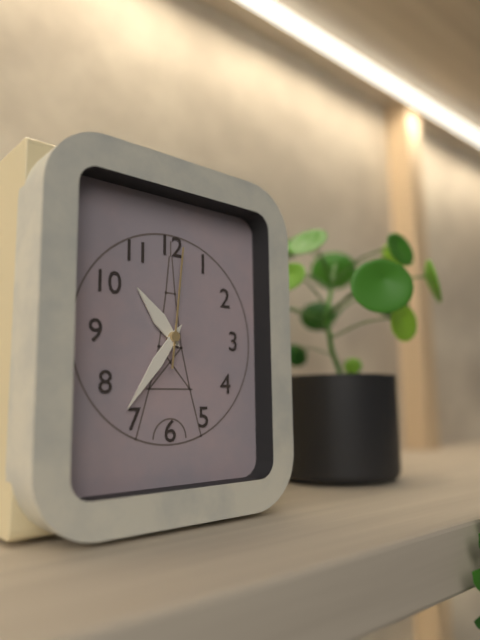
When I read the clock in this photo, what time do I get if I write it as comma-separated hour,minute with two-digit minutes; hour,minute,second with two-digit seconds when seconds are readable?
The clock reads 10,36,01
